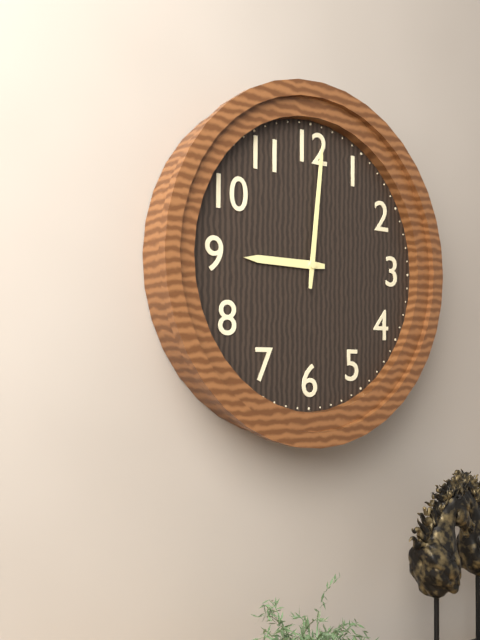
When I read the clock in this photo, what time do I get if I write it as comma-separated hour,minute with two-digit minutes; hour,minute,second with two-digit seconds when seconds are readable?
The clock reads 9,01
